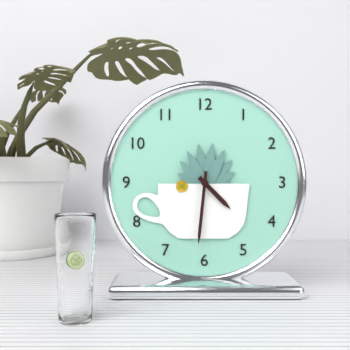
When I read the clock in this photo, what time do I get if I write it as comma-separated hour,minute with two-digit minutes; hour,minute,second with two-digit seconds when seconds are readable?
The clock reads 4,31
